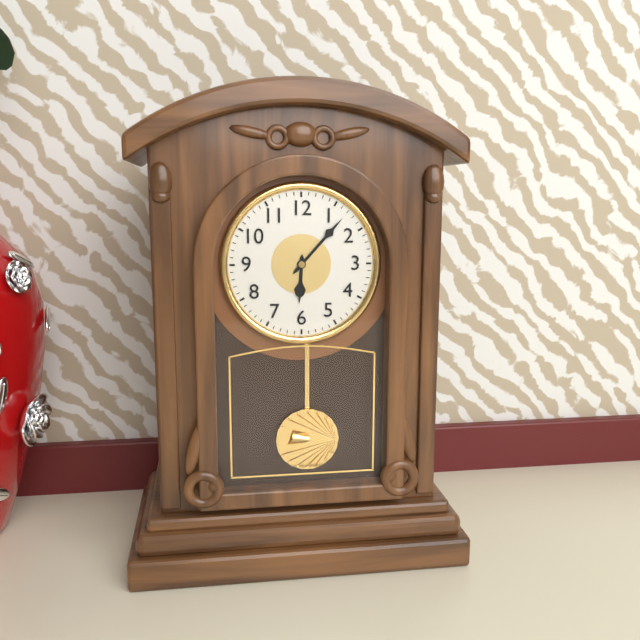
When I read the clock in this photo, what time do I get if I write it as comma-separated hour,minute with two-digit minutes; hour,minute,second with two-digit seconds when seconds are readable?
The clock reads 6,07
